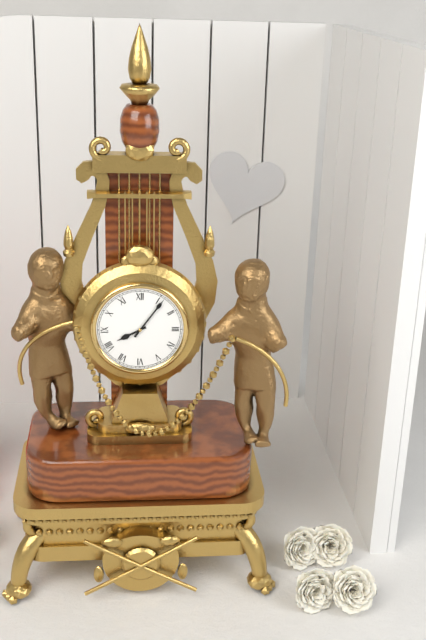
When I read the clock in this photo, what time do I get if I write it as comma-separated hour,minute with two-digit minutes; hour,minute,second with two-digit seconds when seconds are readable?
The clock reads 8,06
